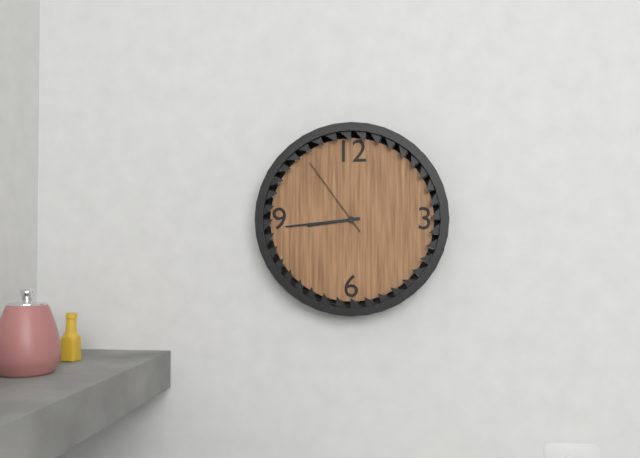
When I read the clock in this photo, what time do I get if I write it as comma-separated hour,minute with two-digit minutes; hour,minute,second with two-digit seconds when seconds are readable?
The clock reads 8,44,54
